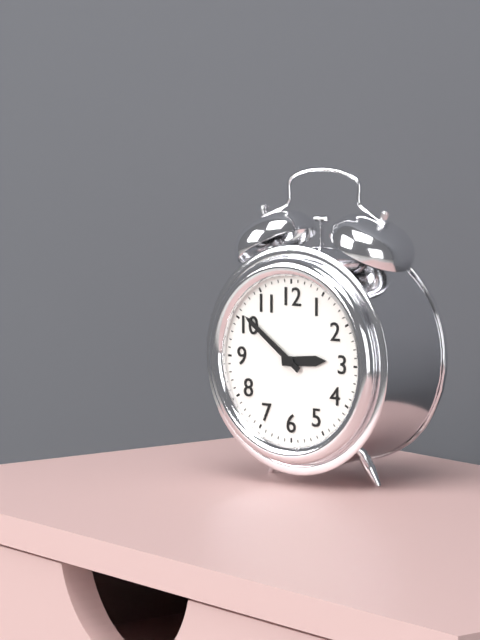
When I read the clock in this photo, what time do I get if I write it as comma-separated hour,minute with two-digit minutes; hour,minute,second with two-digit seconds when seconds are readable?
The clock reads 2,51
